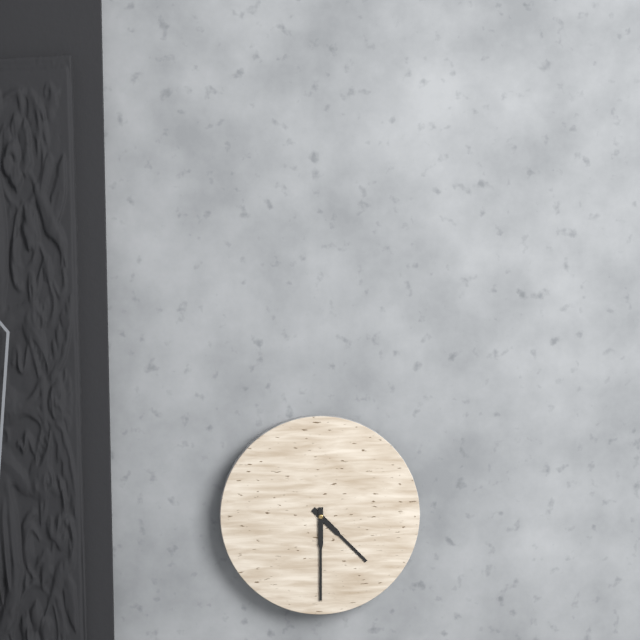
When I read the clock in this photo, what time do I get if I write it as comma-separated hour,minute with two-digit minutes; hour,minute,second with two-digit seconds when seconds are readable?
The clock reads 4,30
